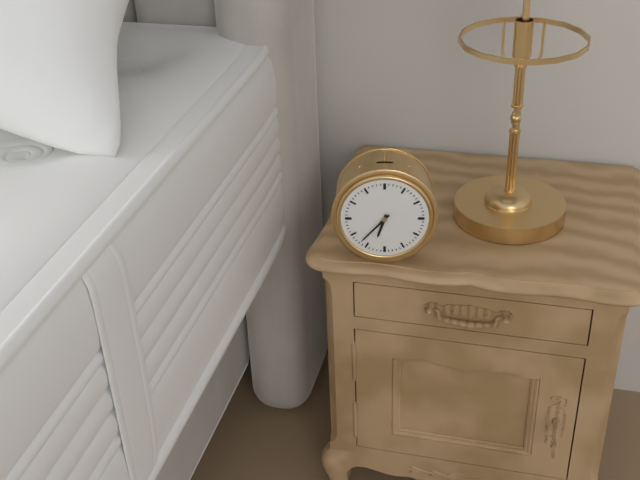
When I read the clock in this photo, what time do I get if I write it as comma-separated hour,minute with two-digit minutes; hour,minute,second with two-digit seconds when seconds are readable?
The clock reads 6,37
